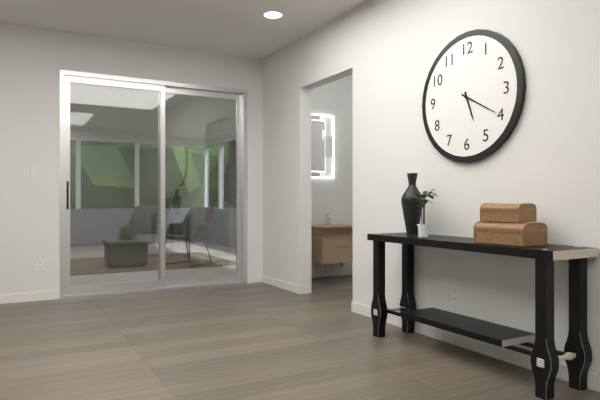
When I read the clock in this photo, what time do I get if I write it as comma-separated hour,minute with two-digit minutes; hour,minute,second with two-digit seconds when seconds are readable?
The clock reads 5,20
